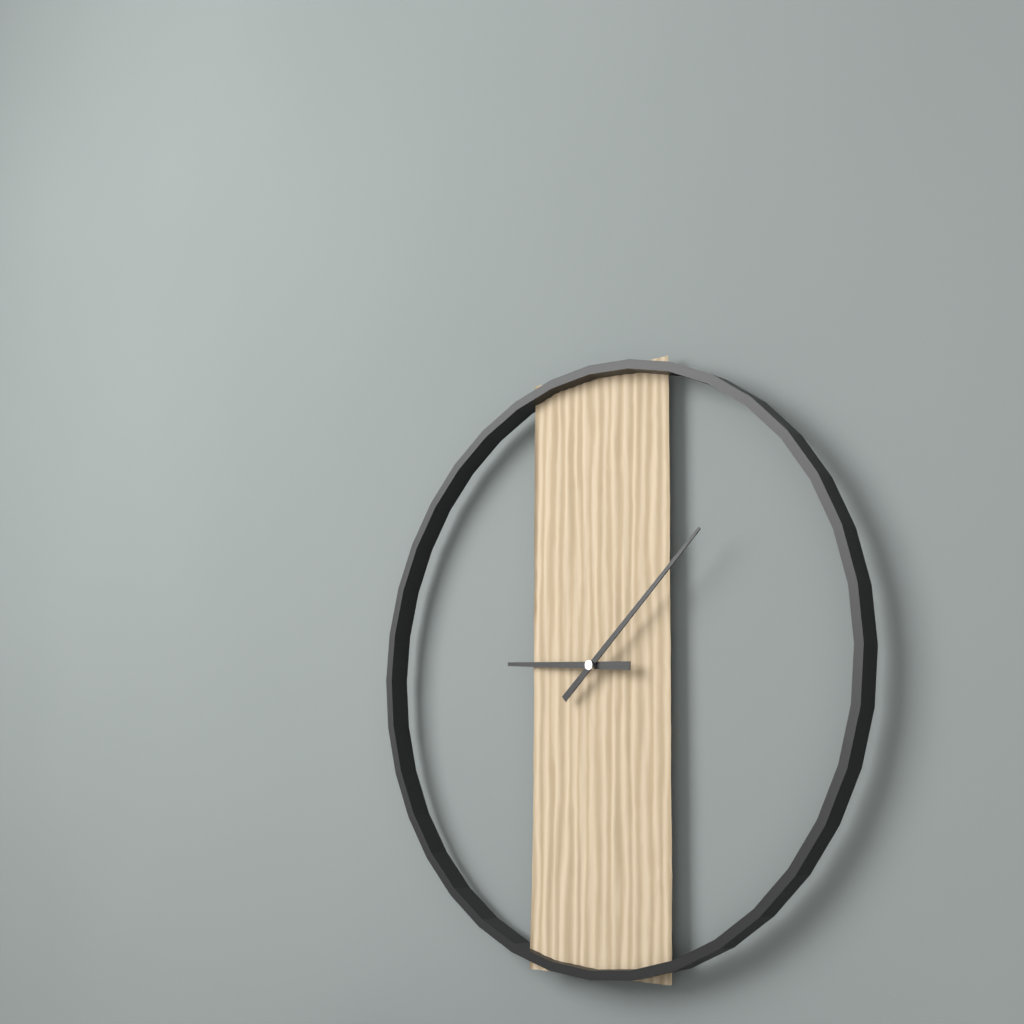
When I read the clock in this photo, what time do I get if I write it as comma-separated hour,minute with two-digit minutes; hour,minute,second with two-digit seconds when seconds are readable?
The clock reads 9,08
